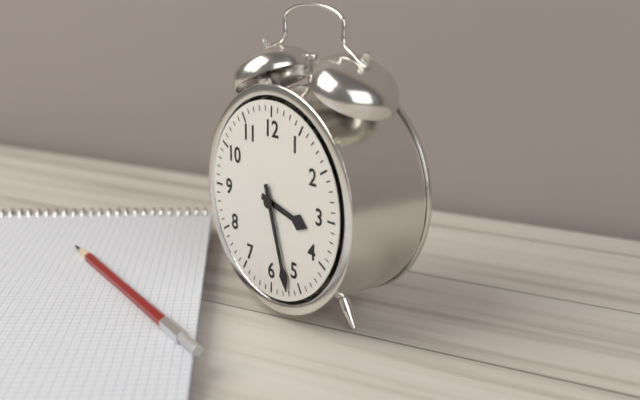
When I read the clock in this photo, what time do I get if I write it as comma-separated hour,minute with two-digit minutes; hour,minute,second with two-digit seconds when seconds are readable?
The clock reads 3,27
